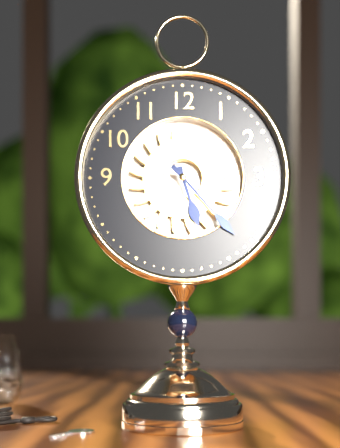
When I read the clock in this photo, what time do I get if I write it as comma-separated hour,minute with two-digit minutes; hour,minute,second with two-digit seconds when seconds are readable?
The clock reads 5,23
